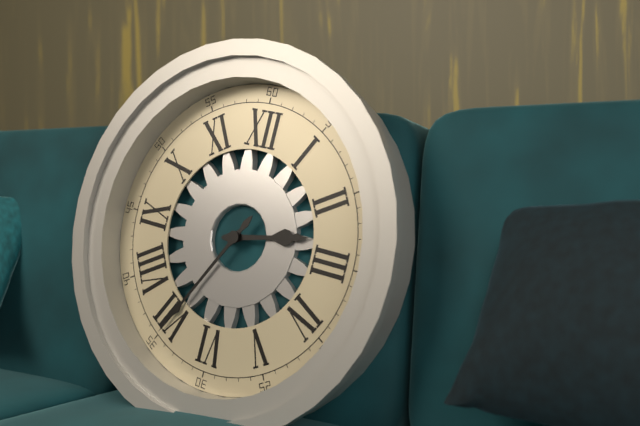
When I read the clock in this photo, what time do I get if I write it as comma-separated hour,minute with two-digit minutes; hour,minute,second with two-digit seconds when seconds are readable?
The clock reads 2,35
